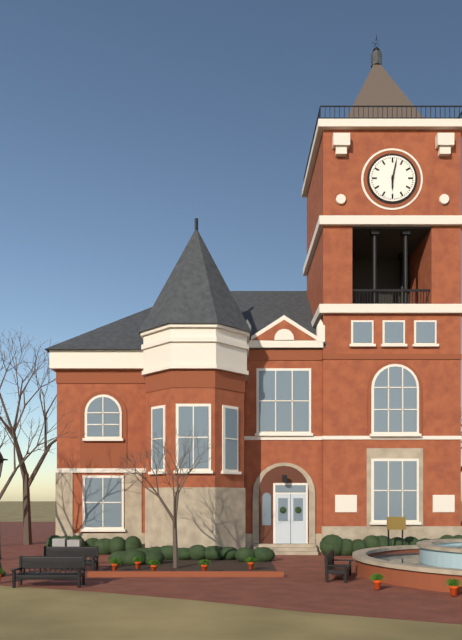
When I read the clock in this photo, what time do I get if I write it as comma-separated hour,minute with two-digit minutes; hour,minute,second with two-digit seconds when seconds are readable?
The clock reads 6,02
